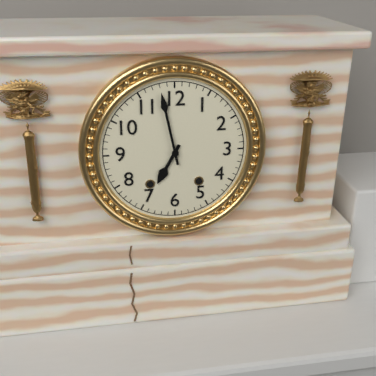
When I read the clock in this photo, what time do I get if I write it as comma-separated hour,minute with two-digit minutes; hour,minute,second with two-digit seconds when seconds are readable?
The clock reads 6,58
